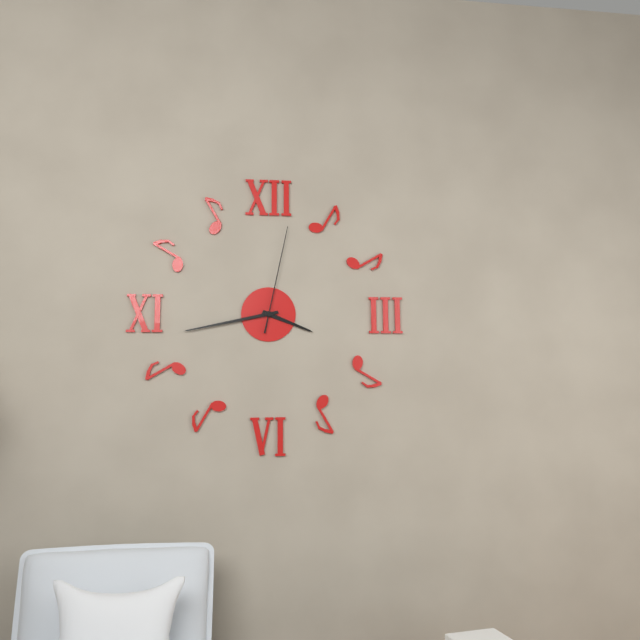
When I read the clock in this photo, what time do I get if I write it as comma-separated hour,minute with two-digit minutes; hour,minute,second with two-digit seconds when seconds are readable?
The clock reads 3,43,02
